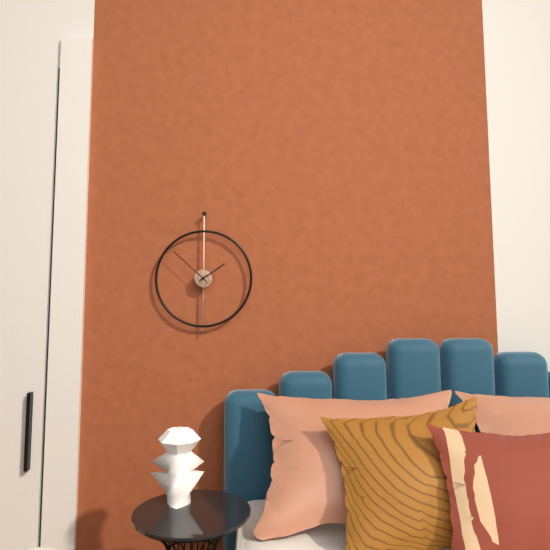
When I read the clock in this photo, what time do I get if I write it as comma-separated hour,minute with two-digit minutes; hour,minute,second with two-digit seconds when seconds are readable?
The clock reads 1,52
